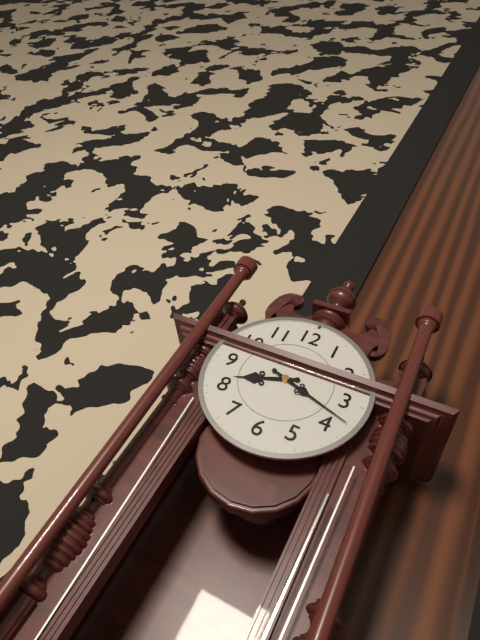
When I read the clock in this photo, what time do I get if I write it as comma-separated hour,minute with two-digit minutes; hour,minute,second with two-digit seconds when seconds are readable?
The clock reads 8,18
